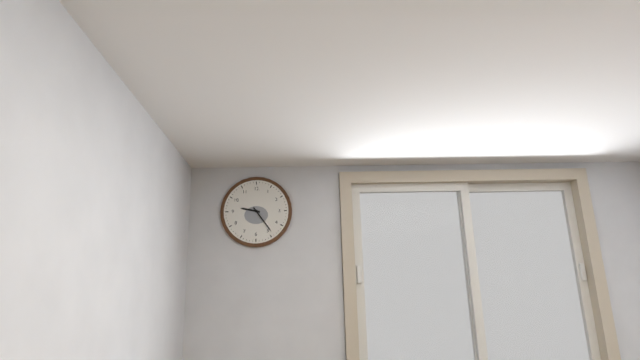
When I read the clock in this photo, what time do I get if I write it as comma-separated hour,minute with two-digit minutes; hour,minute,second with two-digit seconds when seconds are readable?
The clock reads 9,24
